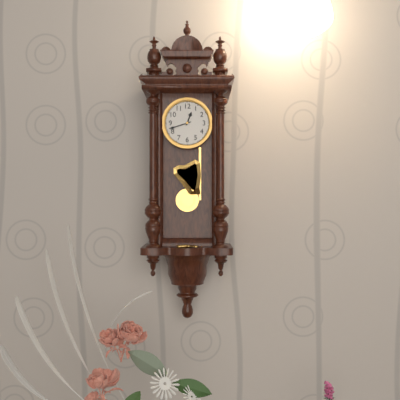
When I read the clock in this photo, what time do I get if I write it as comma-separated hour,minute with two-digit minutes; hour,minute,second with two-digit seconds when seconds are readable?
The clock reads 12,42
